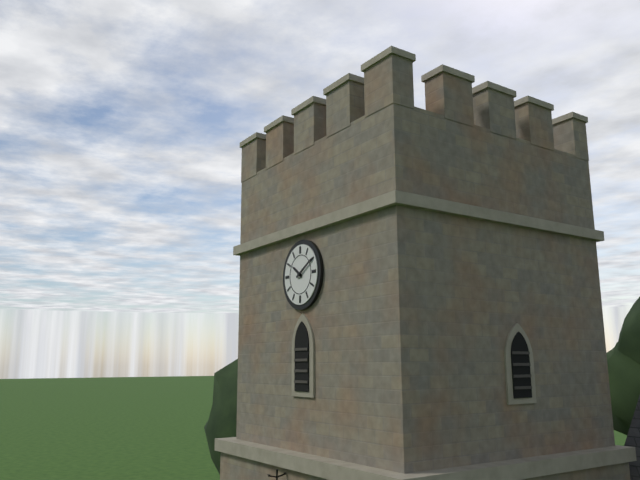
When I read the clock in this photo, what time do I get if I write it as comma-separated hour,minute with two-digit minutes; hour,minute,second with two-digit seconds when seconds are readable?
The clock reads 10,10
